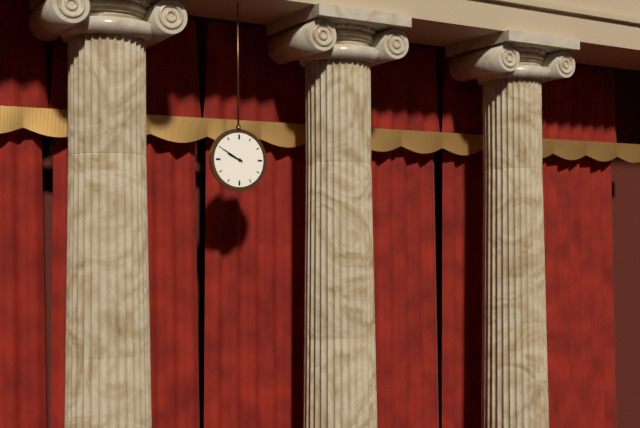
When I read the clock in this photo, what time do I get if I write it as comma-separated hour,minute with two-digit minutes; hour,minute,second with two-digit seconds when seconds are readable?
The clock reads 9,50
